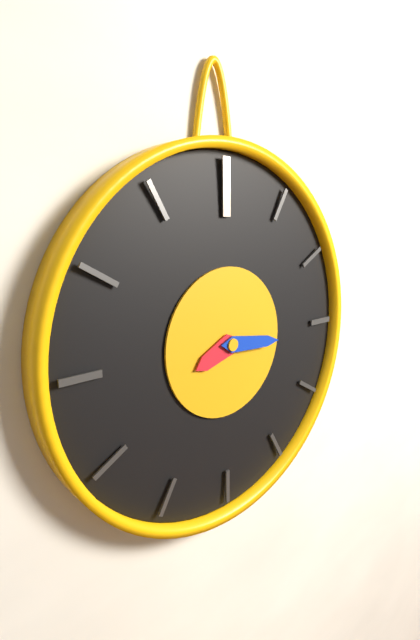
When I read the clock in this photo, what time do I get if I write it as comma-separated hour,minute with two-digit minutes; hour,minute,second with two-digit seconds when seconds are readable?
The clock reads 8,16
